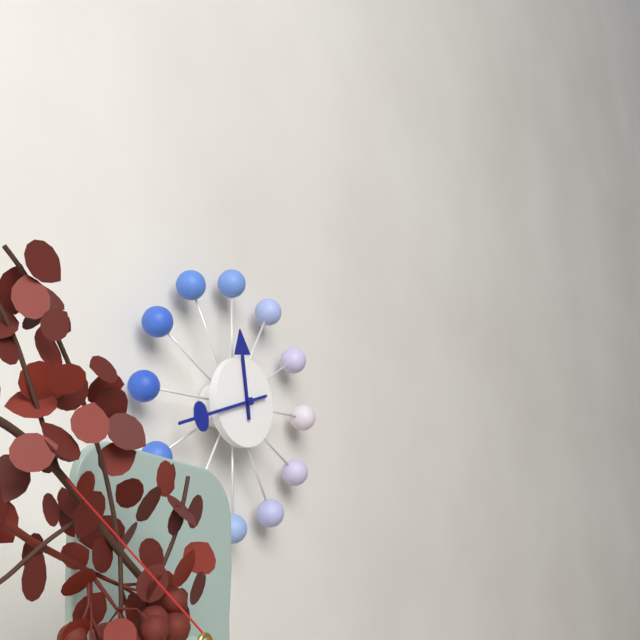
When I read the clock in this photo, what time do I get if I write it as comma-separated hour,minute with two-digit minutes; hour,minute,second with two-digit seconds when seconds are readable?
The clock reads 11,42
